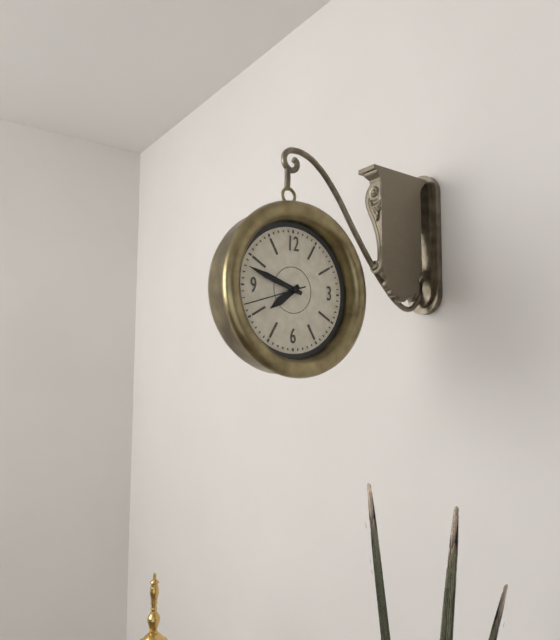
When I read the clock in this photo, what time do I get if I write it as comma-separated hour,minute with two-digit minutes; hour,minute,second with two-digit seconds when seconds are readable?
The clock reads 7,48,42
